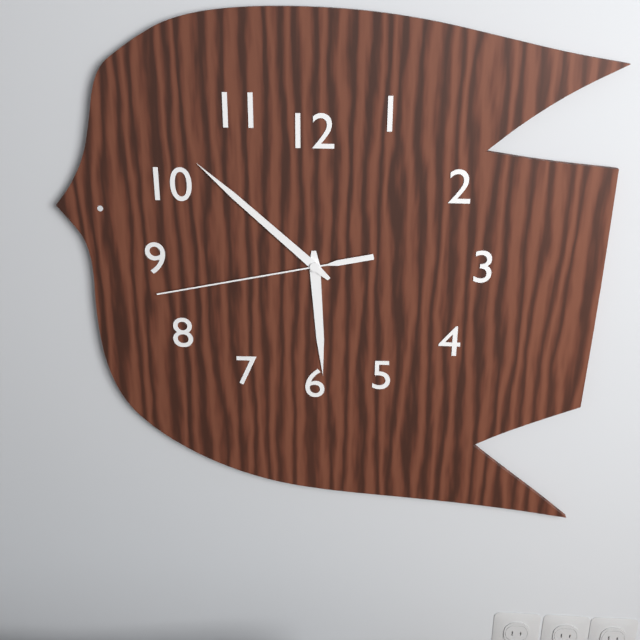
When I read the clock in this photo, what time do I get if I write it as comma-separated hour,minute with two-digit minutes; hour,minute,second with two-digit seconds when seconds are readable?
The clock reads 5,52,43
